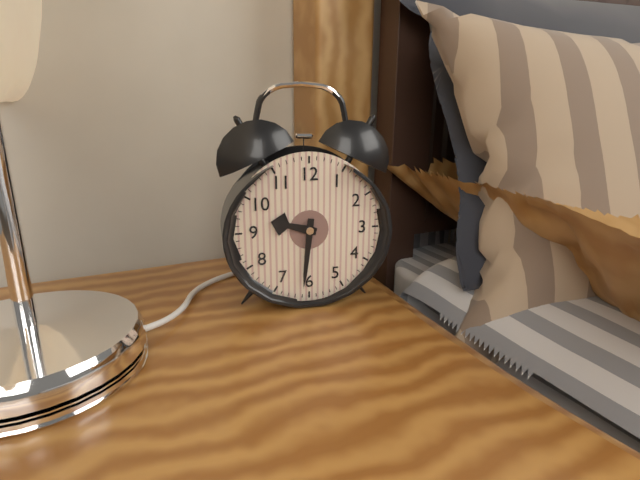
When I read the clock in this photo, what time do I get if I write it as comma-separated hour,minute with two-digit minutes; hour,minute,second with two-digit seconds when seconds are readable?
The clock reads 9,31
